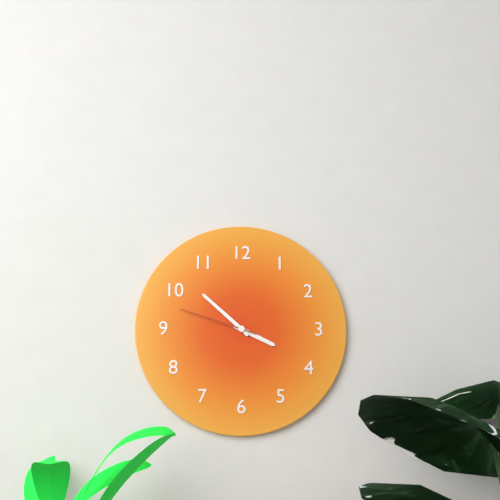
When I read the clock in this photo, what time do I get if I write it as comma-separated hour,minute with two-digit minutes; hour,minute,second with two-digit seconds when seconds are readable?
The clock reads 3,52,48
